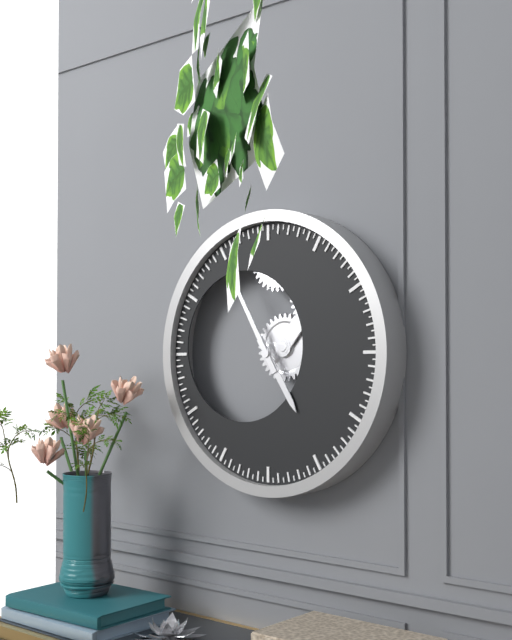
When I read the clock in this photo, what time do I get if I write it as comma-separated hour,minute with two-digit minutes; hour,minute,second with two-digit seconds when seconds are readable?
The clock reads 4,55
